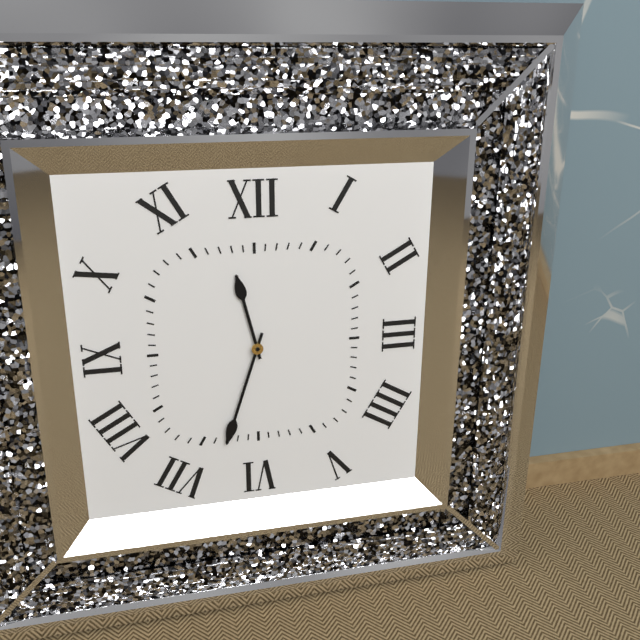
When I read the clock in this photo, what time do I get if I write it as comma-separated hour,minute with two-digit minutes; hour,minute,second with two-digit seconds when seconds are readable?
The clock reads 11,33
